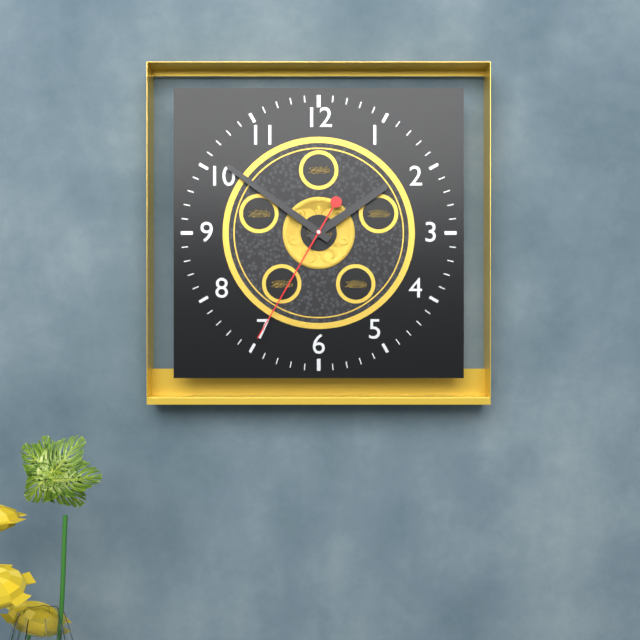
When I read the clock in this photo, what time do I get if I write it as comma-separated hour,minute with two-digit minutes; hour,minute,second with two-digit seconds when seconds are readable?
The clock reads 1,51,35
